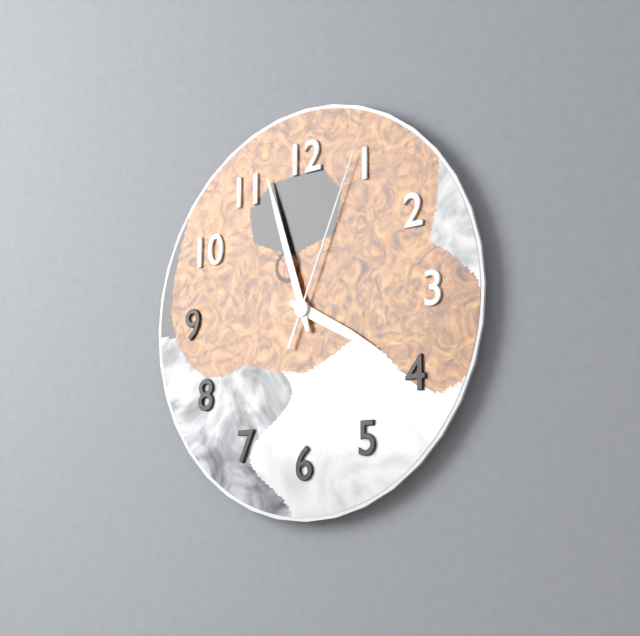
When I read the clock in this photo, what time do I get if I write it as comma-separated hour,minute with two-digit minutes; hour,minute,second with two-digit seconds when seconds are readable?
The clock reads 3,57,04
